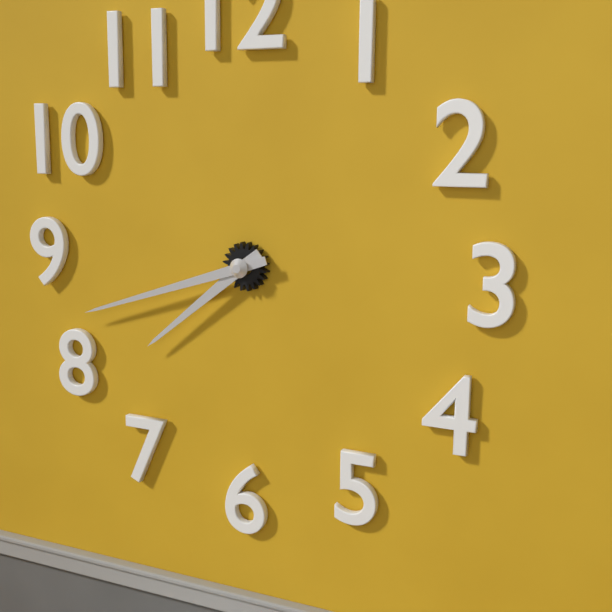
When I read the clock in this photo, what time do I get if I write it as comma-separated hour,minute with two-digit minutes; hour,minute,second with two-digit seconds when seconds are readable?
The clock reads 7,42
